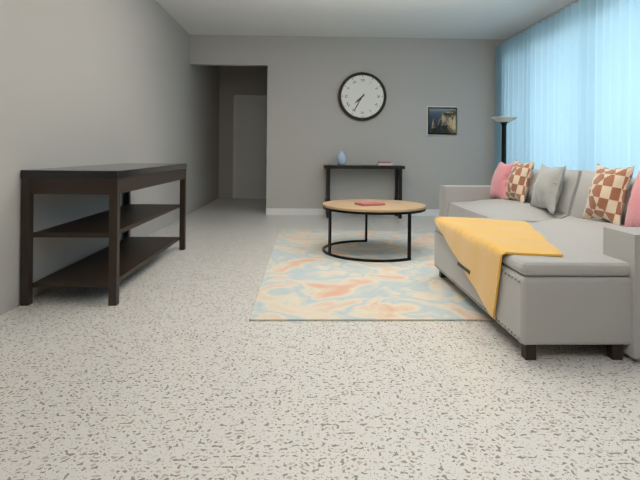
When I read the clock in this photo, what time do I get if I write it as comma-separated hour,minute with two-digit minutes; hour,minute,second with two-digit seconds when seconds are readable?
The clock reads 7,35
